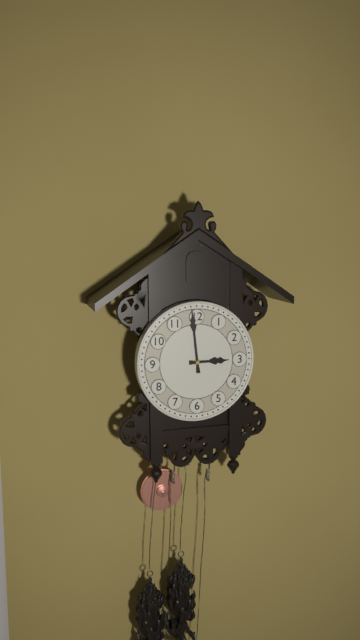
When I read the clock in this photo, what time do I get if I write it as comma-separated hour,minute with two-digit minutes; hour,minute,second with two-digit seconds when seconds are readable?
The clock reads 2,59
